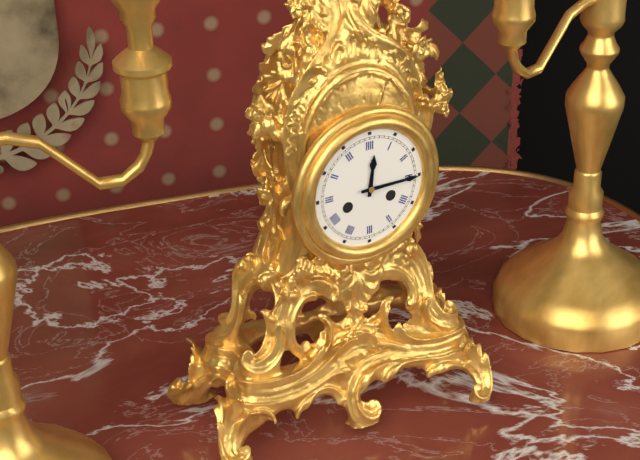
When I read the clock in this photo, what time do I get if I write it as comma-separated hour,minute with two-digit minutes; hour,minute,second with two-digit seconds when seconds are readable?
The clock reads 12,15
